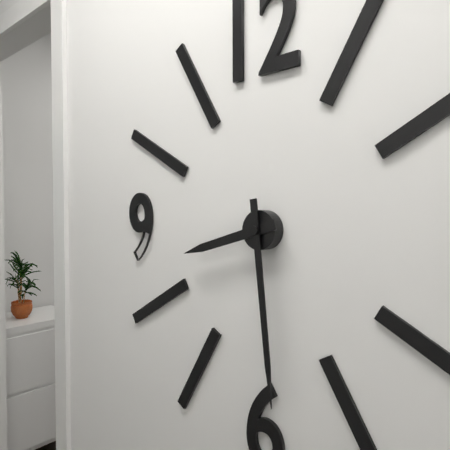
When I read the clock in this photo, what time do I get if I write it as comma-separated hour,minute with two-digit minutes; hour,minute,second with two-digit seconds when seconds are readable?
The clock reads 8,29
